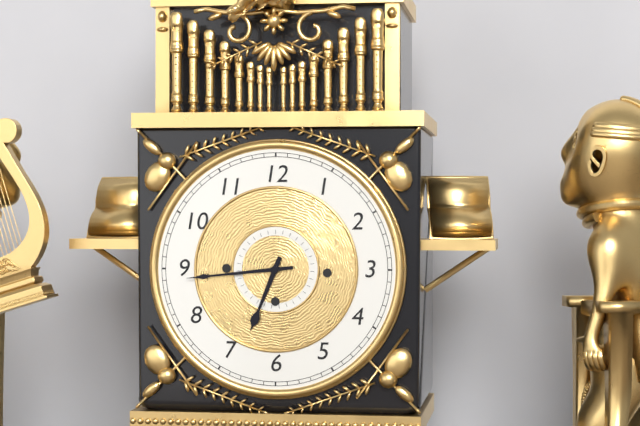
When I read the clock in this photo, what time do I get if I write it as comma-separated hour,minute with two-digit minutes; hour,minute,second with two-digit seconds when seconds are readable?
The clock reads 6,44
